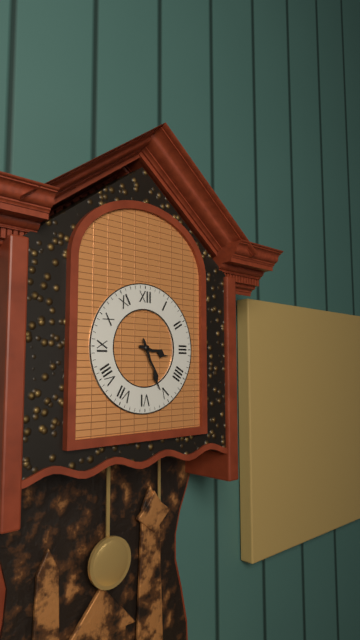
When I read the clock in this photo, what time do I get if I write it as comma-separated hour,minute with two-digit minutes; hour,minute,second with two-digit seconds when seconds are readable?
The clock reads 3,26
